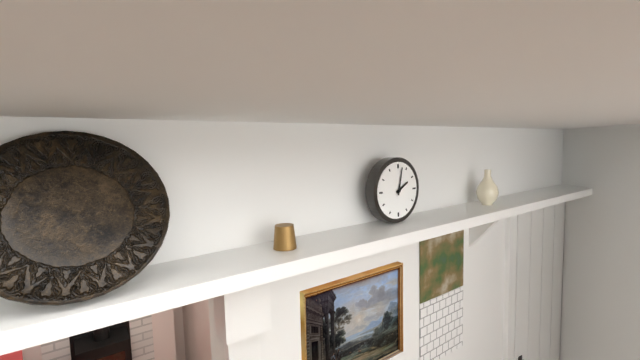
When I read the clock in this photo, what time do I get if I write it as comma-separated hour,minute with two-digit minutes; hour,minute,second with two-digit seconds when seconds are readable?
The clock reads 2,02
